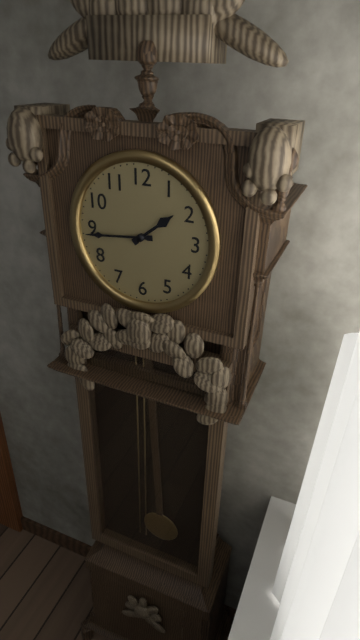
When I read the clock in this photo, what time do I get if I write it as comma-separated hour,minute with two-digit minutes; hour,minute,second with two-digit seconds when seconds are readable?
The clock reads 1,44
